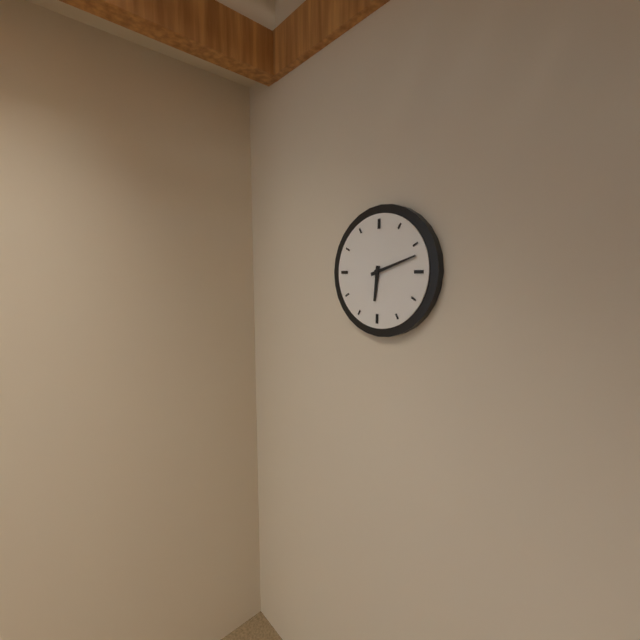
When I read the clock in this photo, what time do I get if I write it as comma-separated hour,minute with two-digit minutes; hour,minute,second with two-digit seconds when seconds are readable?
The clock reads 6,12
